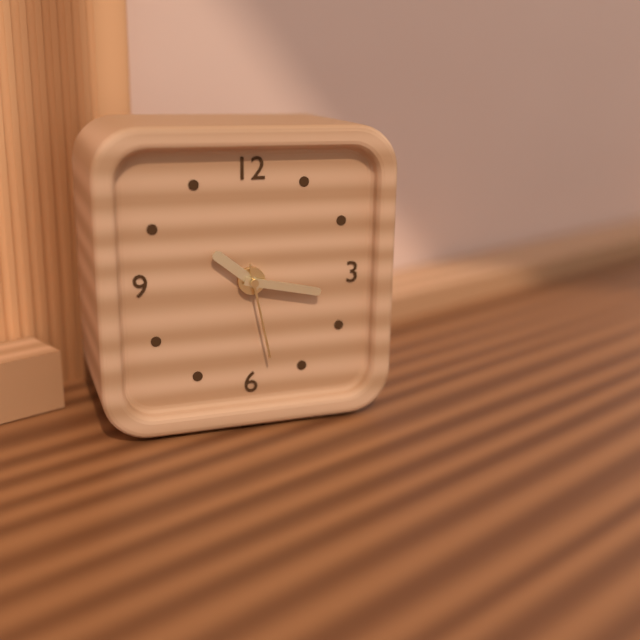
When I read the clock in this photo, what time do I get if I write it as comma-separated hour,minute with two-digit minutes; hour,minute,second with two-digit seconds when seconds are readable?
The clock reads 10,17,28
